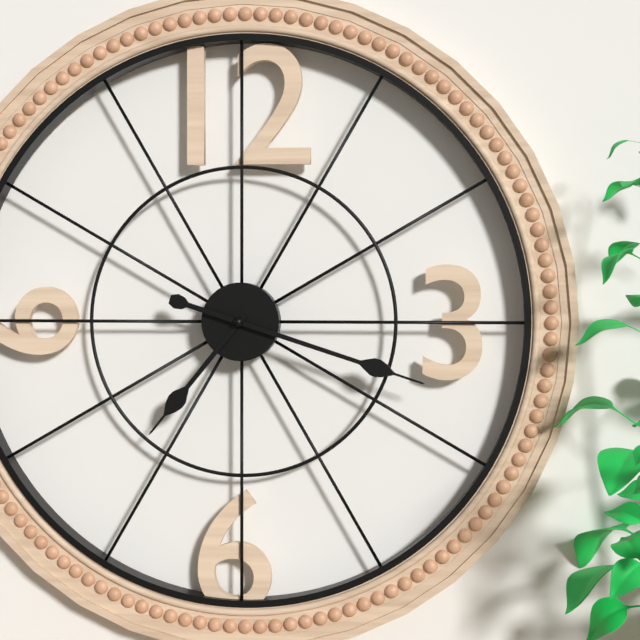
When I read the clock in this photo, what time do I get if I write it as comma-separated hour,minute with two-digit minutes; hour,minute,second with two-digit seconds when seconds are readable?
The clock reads 7,18
